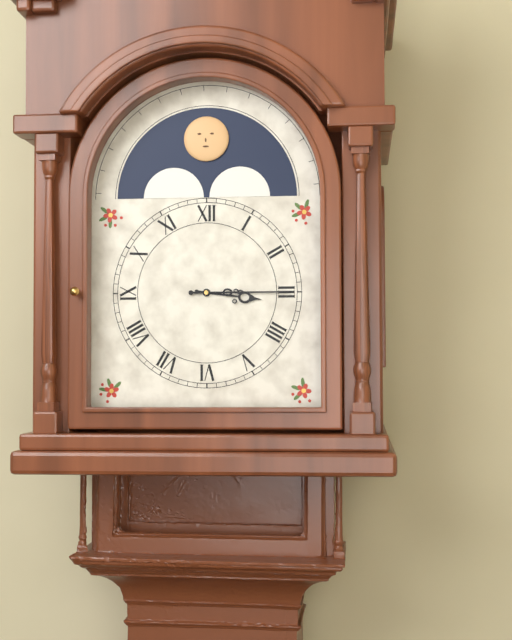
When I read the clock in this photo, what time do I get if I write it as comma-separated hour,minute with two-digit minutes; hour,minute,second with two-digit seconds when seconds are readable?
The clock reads 3,15
